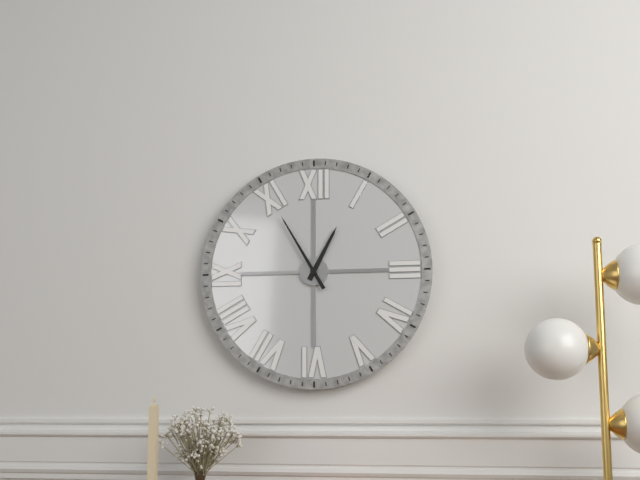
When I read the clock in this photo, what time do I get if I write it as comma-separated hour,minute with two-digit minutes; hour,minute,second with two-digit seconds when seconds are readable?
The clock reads 12,55
